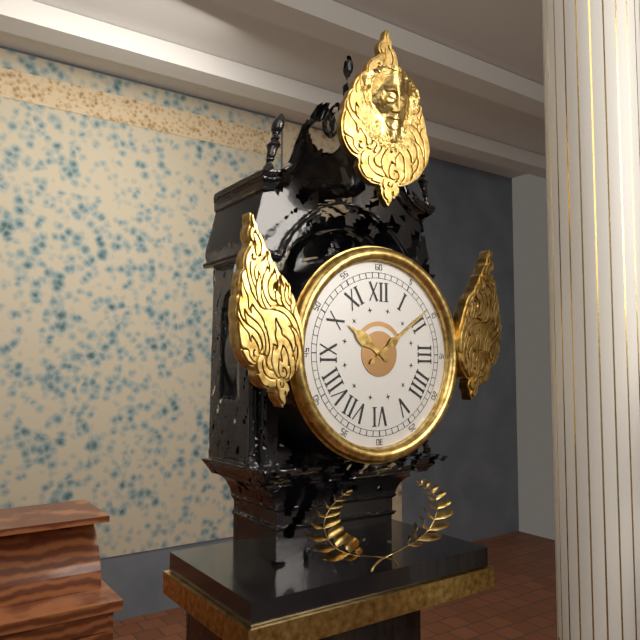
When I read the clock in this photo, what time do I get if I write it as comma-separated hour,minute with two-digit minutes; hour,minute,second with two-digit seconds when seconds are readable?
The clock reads 10,09
